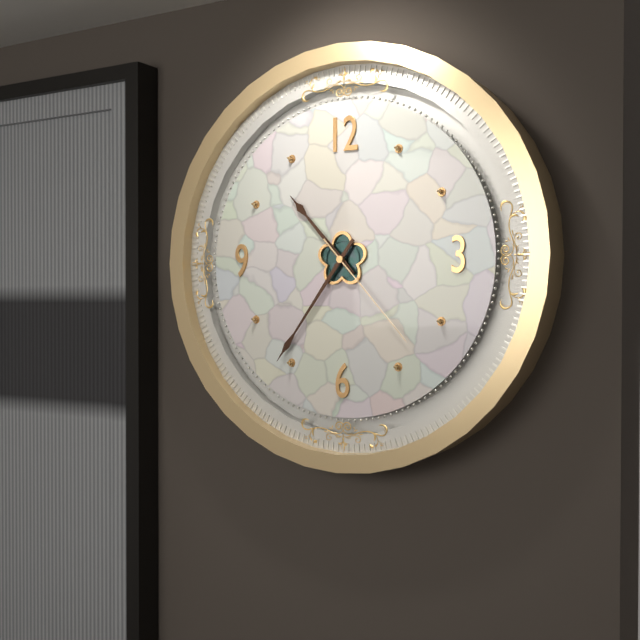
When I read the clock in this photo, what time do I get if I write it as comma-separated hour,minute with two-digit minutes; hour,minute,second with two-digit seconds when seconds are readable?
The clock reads 10,36,23
